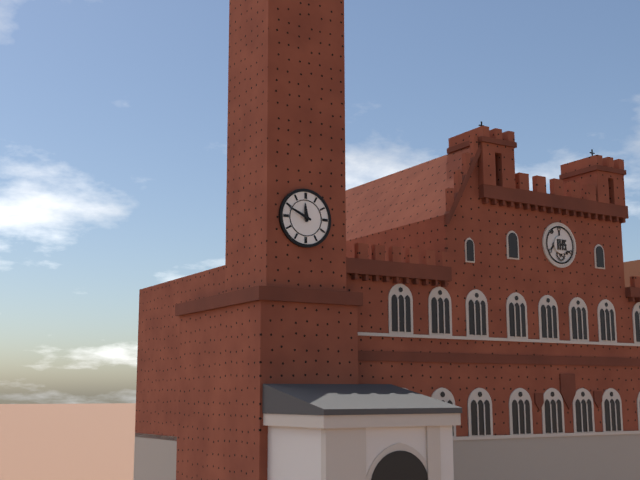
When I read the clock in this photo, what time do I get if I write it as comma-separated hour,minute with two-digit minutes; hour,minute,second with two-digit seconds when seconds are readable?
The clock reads 11,49
